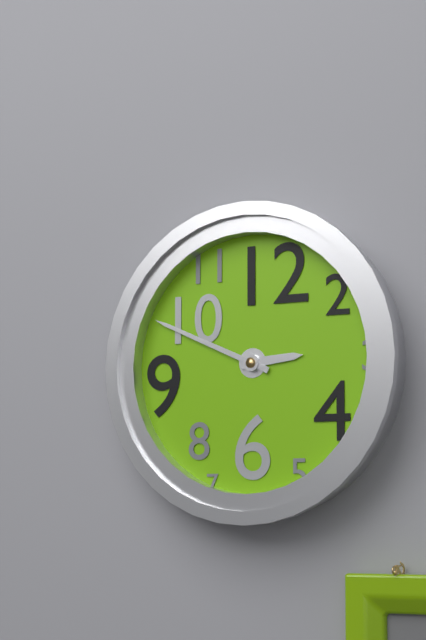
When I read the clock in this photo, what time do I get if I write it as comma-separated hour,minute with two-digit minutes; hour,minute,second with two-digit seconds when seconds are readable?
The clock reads 2,49
